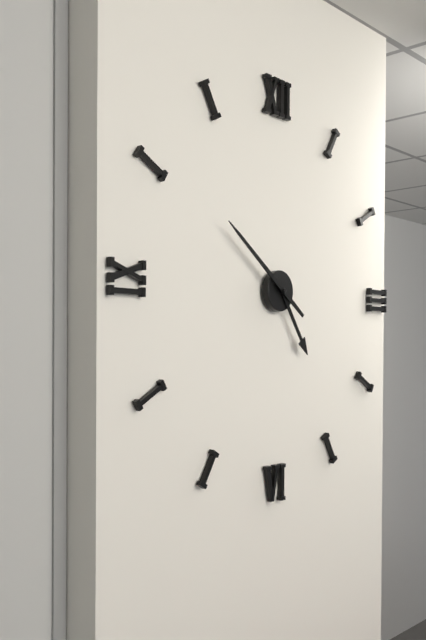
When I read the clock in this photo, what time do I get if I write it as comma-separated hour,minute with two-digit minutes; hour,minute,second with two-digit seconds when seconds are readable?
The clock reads 4,51
